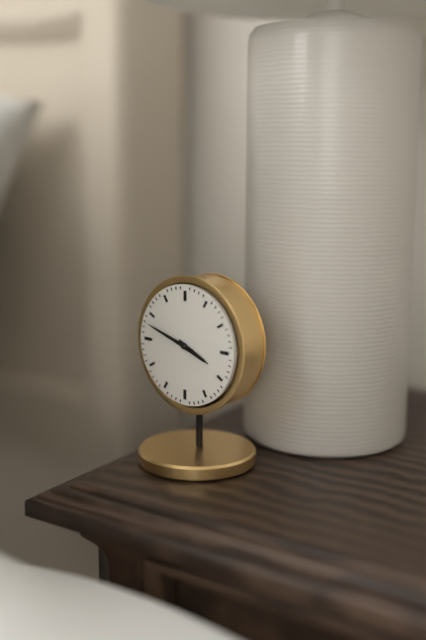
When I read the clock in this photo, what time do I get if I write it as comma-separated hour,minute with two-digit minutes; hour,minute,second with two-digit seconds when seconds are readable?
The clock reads 3,48
